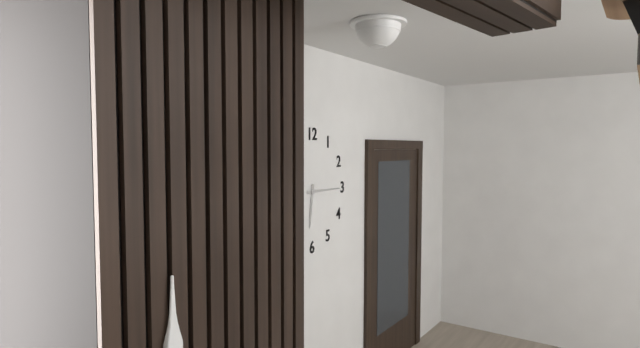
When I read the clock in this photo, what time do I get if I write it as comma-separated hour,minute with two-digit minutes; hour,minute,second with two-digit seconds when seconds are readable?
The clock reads 6,15
